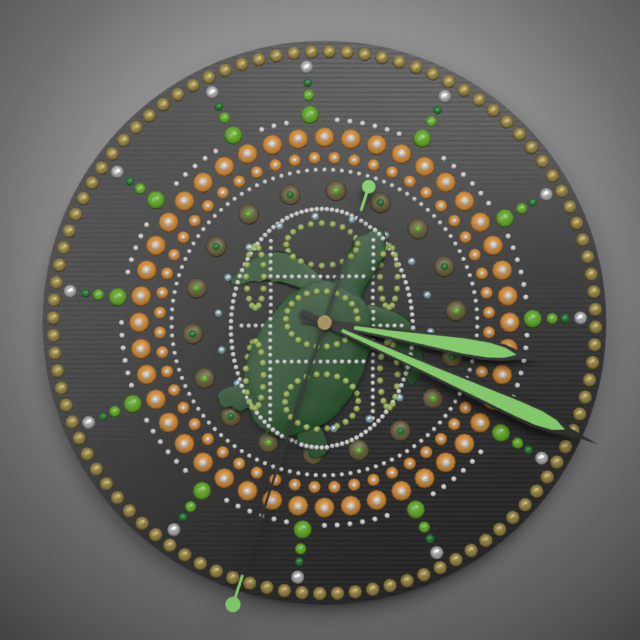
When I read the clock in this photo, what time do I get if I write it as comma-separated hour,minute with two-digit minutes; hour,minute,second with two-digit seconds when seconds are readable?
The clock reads 3,19,33
